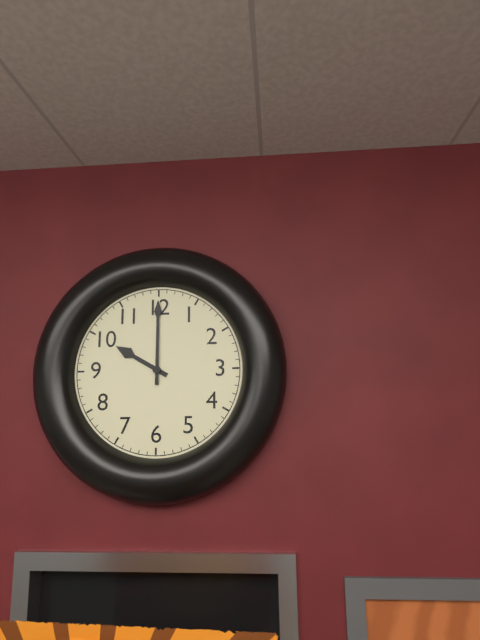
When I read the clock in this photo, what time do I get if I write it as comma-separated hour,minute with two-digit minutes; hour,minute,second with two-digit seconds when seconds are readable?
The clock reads 10,00
